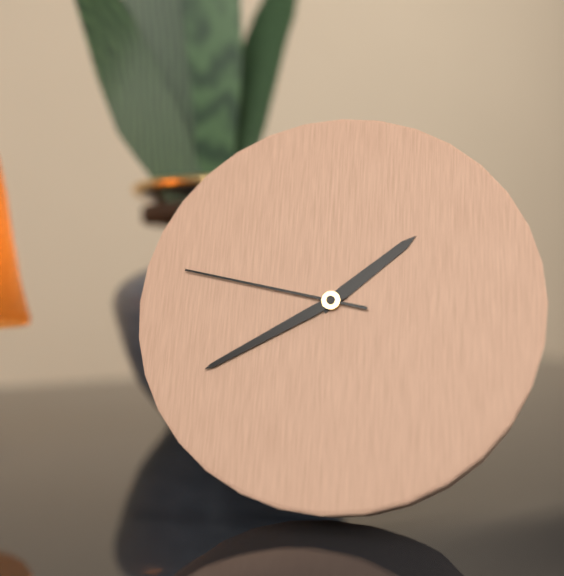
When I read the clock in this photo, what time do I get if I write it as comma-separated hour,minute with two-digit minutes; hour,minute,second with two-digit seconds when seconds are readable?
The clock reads 1,40,47
